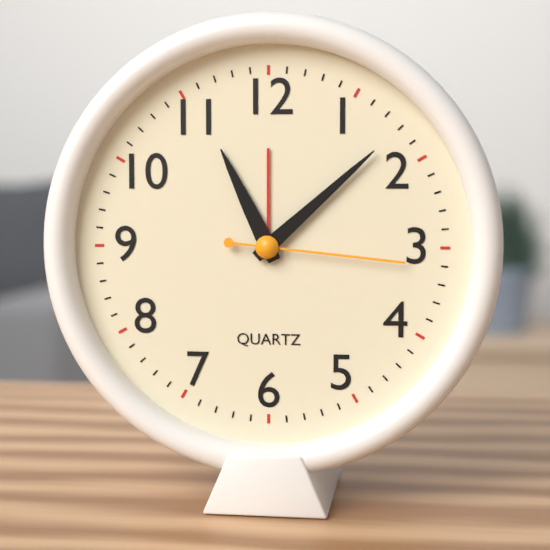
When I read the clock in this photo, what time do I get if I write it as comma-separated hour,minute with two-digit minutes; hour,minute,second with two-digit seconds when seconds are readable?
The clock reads 11,08,16
